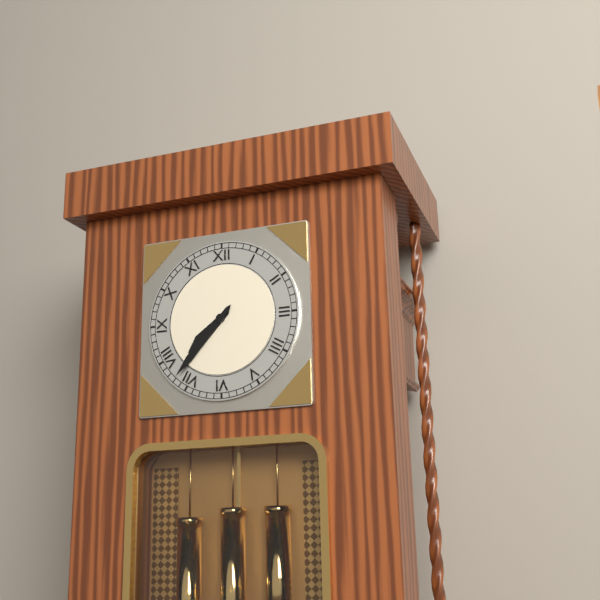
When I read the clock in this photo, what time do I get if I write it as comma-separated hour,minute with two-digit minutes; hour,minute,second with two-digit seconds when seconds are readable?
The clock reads 7,37
